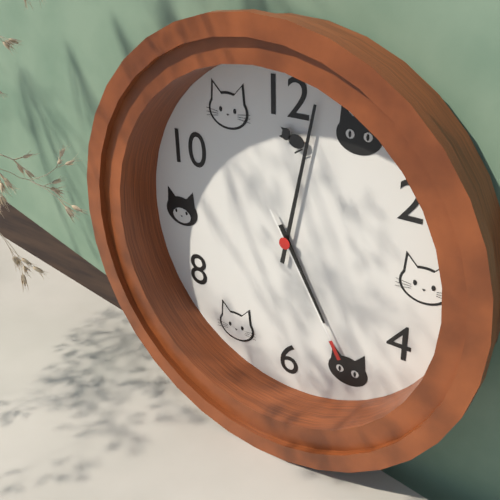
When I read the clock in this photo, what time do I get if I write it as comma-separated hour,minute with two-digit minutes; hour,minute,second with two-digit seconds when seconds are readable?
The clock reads 5,02,25
